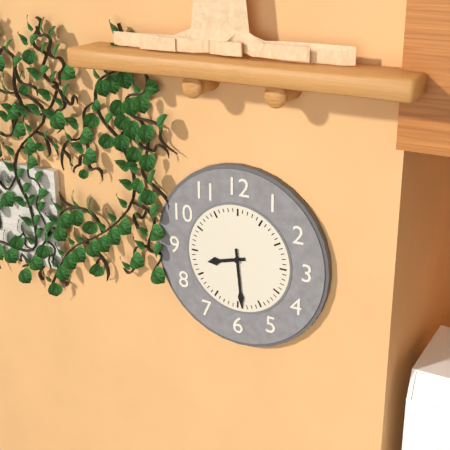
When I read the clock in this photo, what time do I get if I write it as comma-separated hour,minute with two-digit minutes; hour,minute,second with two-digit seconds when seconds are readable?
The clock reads 8,29
